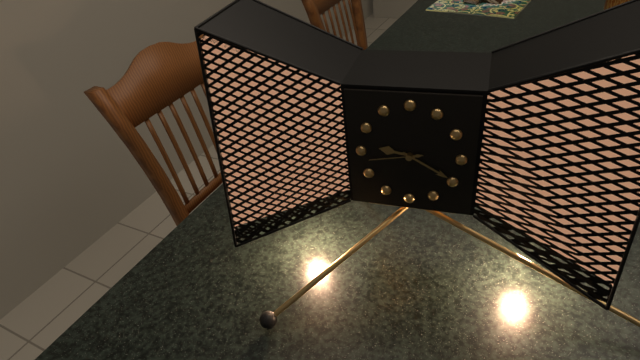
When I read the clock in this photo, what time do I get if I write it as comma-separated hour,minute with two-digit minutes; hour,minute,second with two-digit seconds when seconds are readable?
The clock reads 9,20
